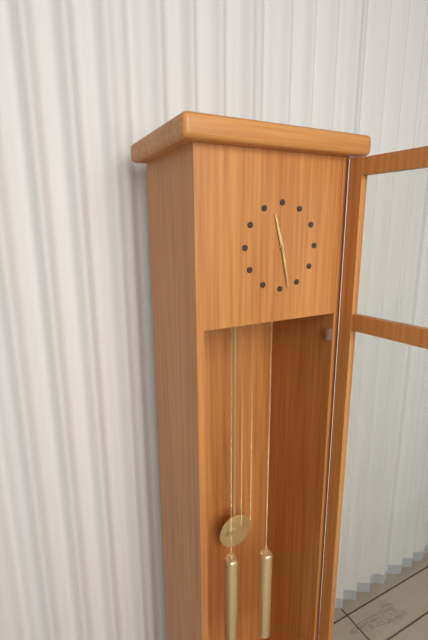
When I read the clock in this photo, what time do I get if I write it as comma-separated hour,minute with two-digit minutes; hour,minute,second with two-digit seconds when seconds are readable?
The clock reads 11,28
